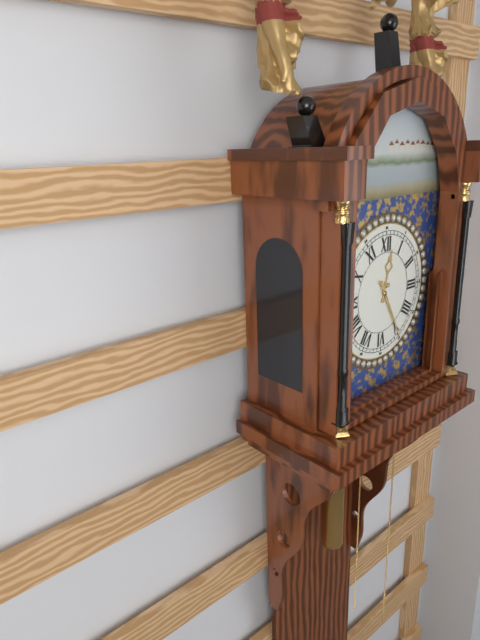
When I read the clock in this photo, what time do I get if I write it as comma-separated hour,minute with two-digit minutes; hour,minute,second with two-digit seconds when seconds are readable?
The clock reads 12,25
